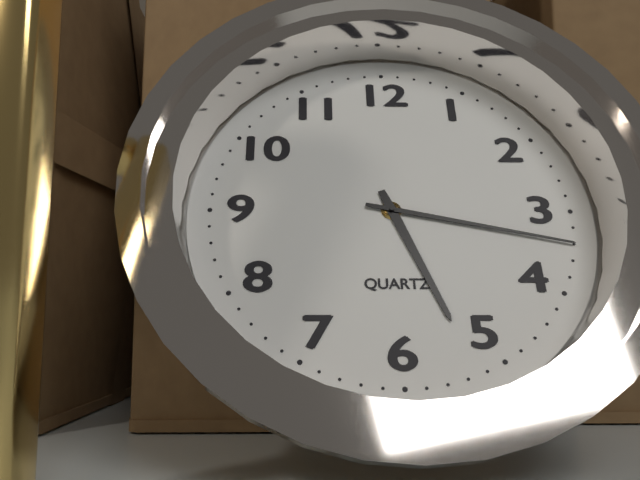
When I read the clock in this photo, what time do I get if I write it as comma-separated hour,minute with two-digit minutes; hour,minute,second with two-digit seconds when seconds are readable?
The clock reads 5,17
